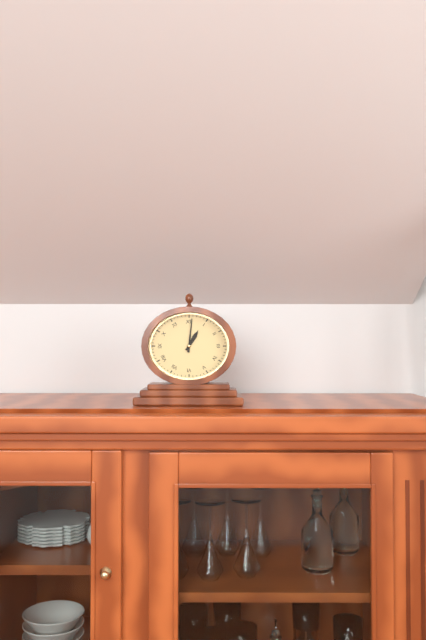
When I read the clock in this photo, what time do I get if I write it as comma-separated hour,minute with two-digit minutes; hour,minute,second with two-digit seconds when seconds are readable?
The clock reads 1,01
